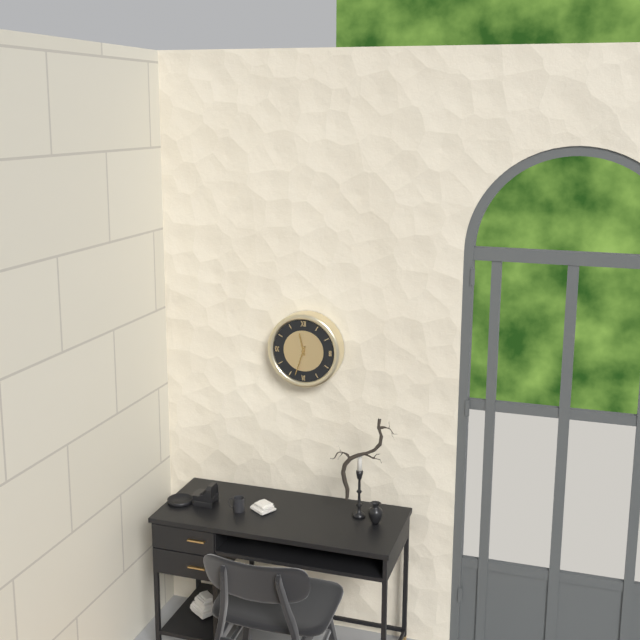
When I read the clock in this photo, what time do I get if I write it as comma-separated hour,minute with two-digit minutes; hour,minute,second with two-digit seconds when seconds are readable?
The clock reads 11,33
